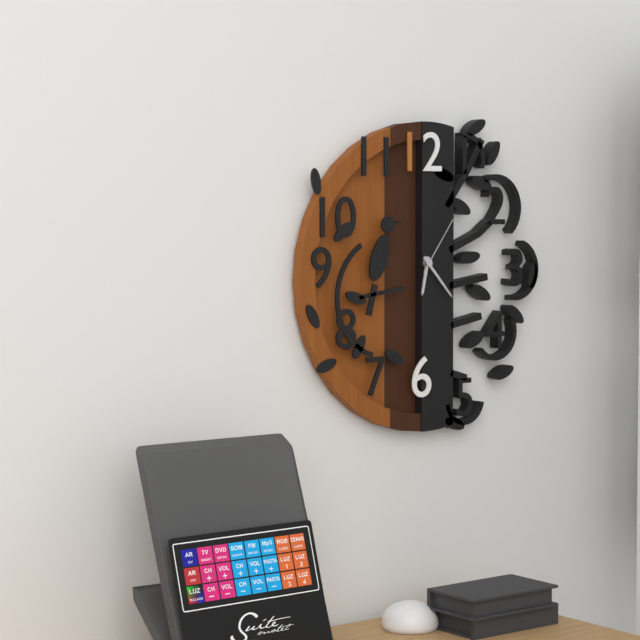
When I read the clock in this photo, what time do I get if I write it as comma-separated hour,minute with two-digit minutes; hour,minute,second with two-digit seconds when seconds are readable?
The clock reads 6,23,06
